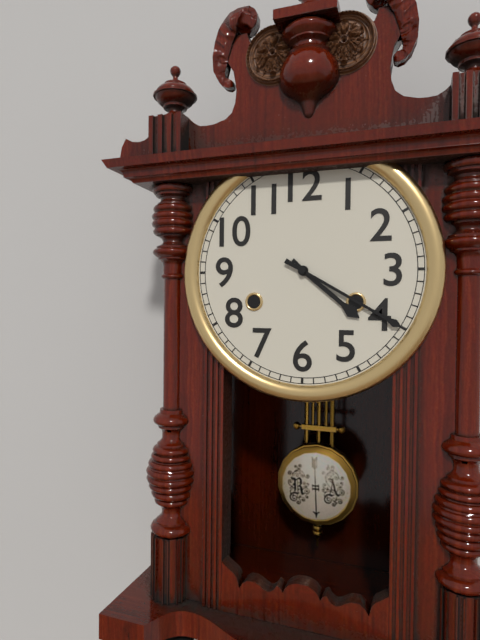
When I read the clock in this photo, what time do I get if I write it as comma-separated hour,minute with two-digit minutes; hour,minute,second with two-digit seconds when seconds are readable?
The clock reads 4,20
